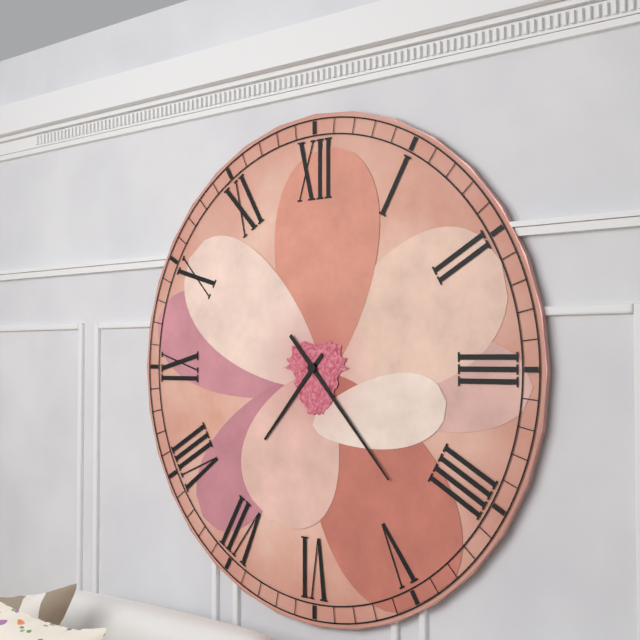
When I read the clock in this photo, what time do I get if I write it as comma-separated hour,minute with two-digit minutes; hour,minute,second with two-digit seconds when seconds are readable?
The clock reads 7,23
